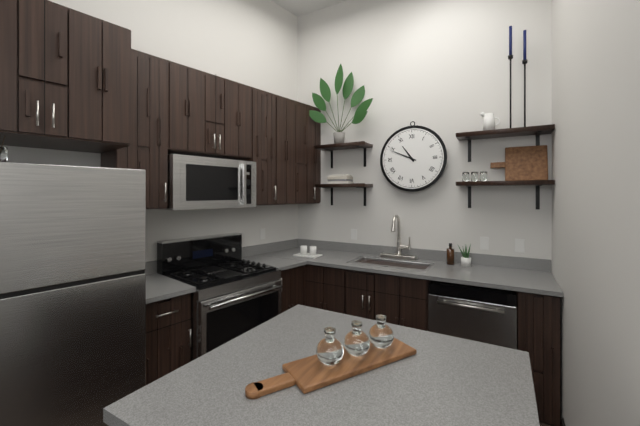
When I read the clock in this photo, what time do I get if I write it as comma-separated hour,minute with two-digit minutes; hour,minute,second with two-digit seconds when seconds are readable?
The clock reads 10,49
